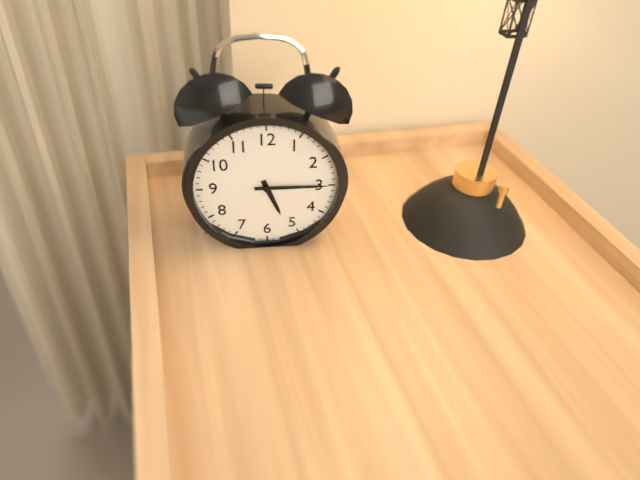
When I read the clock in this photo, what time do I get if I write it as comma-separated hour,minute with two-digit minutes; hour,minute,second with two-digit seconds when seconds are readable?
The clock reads 5,15
